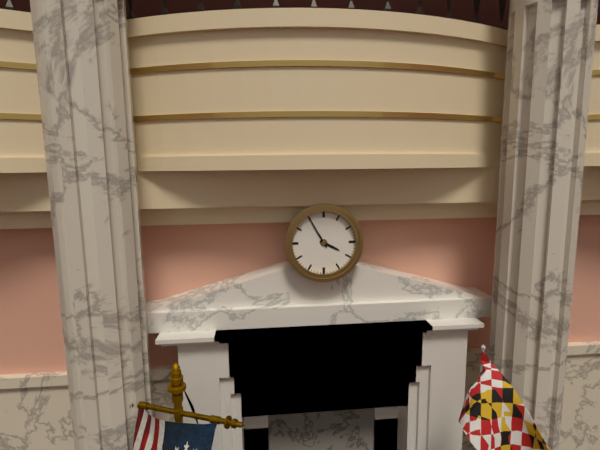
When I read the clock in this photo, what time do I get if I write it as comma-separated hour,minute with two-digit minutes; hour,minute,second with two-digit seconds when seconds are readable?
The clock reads 3,55
